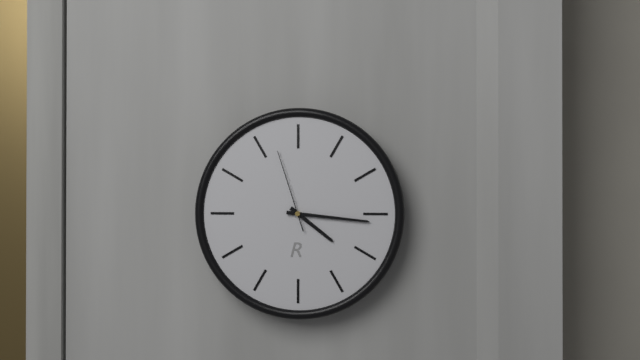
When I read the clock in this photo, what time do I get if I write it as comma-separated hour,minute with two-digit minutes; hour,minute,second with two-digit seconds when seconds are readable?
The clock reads 4,16,57
